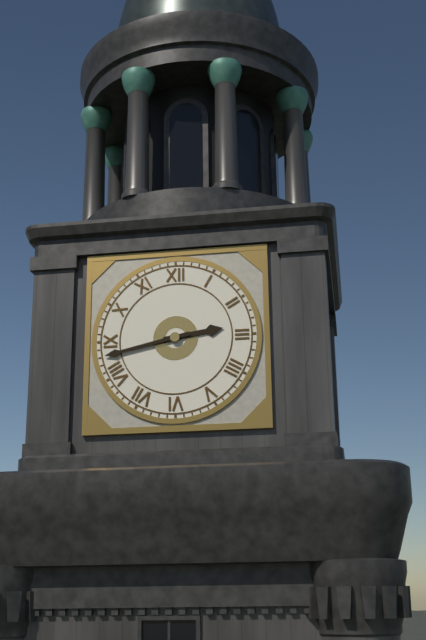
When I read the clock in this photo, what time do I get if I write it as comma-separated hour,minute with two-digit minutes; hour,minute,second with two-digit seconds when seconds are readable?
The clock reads 2,43
